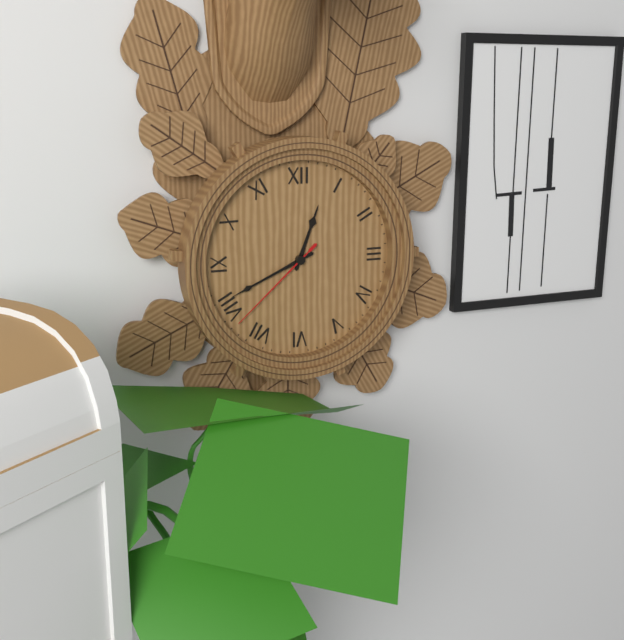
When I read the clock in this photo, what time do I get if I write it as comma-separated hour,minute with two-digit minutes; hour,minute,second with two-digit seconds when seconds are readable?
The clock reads 12,41,38
